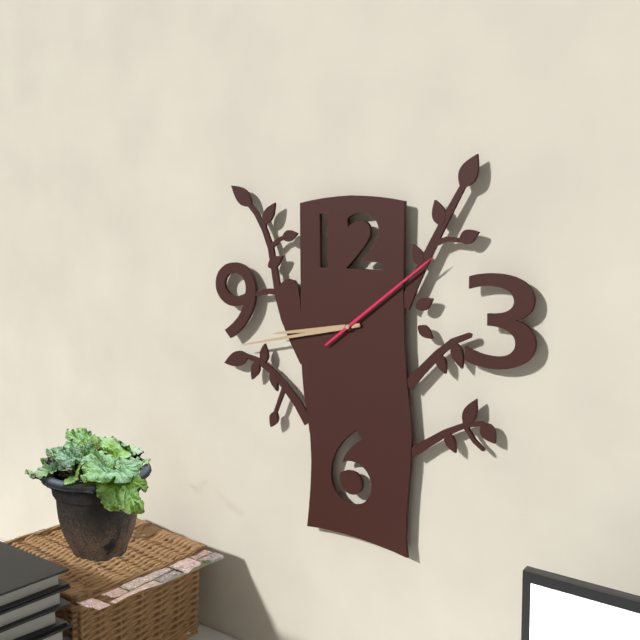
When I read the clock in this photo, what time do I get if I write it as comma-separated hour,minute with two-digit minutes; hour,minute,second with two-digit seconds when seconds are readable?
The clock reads 8,43,09
